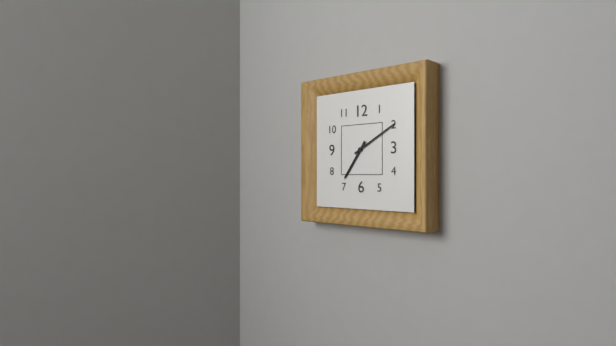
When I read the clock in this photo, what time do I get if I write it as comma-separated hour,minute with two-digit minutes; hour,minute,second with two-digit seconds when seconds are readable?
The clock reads 7,10
